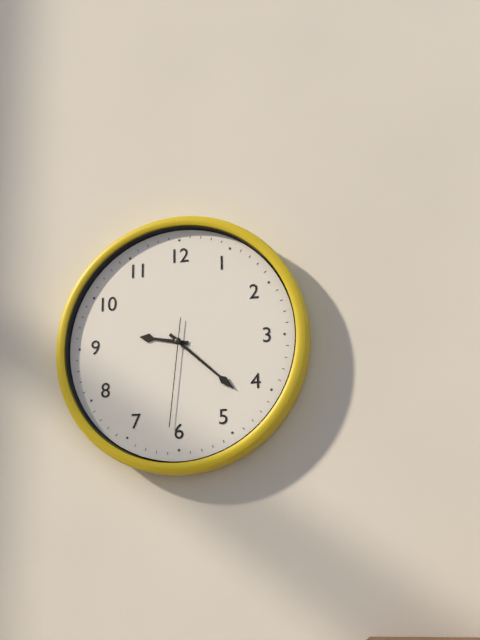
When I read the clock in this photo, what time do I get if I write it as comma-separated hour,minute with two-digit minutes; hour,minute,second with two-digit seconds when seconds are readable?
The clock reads 9,22,31
